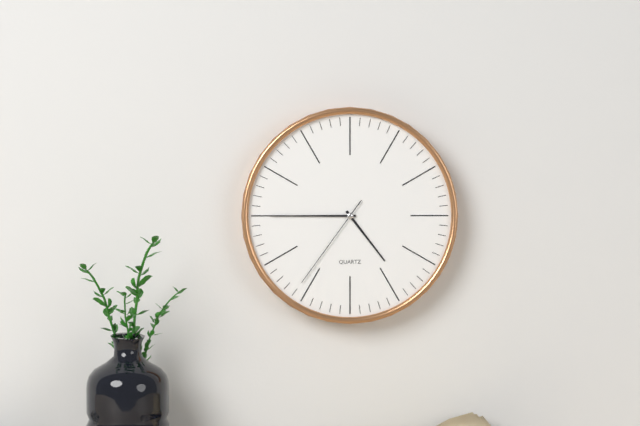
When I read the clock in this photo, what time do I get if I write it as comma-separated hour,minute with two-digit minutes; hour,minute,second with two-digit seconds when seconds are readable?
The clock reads 4,45,36
